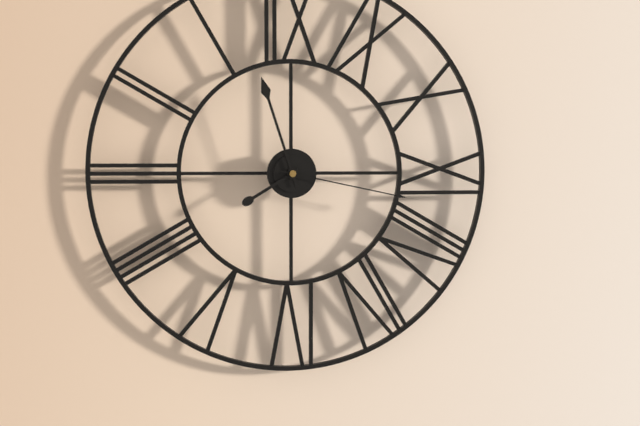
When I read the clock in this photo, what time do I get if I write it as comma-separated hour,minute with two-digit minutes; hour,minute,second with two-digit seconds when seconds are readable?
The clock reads 7,57,17
